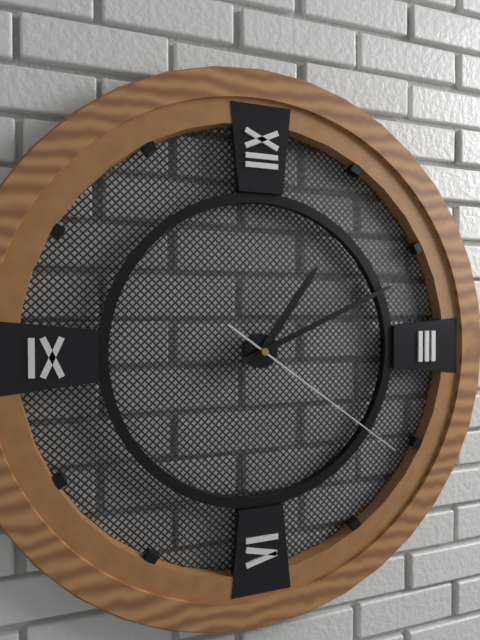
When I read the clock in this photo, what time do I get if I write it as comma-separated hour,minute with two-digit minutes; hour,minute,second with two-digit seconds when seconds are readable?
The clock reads 1,11,21
